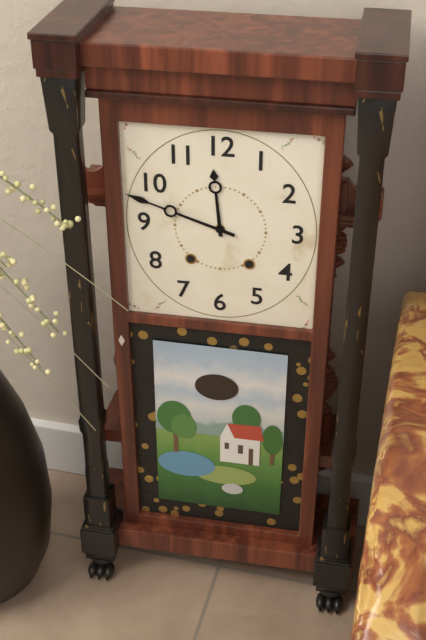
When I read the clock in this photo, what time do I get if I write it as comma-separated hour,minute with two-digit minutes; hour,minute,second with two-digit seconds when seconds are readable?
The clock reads 11,48
